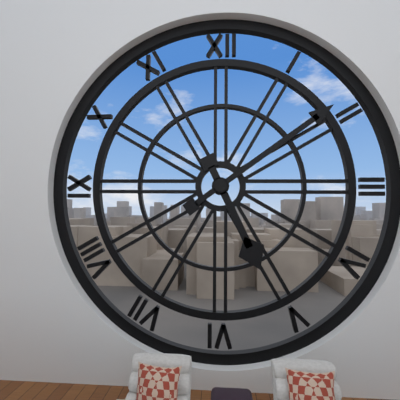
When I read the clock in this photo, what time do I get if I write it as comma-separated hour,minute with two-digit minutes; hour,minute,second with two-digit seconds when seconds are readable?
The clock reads 5,09
